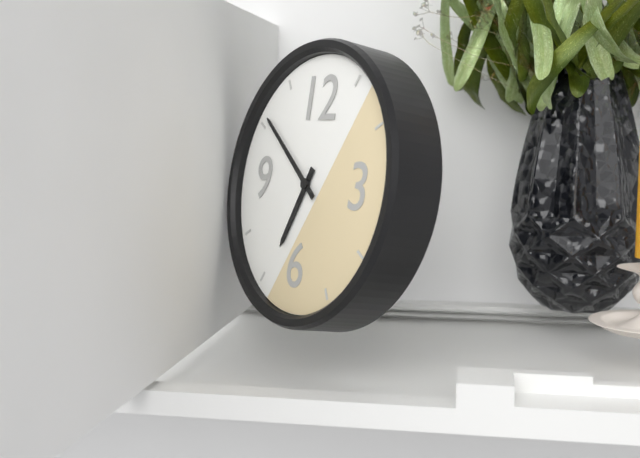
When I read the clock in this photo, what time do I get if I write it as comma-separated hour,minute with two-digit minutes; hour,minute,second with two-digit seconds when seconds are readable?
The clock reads 6,51
